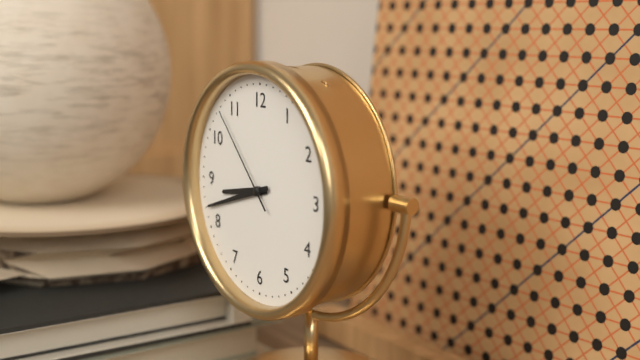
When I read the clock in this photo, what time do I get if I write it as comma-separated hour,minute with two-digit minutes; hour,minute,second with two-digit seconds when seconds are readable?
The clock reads 8,42,53
